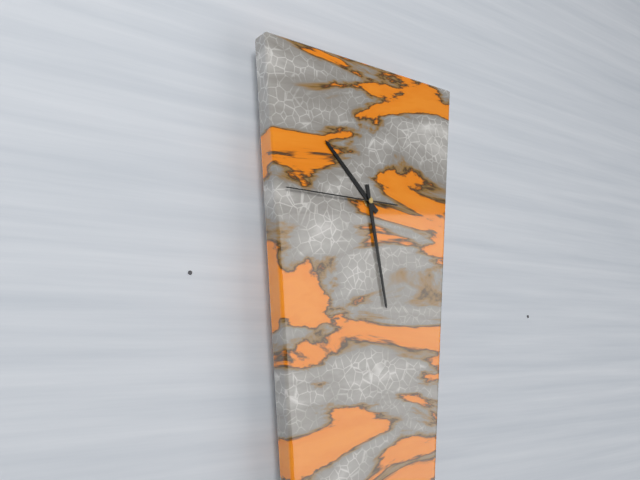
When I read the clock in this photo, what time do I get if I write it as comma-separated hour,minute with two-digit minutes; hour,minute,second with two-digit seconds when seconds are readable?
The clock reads 10,28,45
